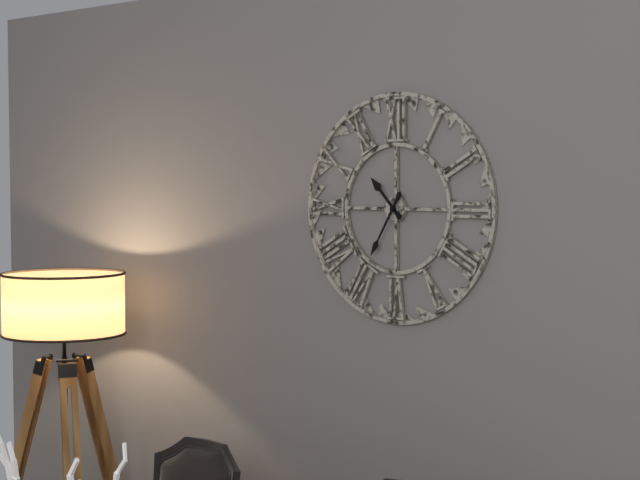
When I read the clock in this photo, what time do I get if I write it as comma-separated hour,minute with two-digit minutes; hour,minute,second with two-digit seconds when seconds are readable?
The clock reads 10,35
